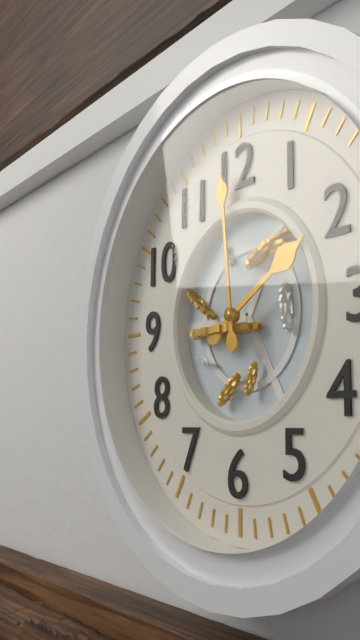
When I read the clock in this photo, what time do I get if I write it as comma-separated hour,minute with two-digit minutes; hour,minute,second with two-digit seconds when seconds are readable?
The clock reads 1,59
